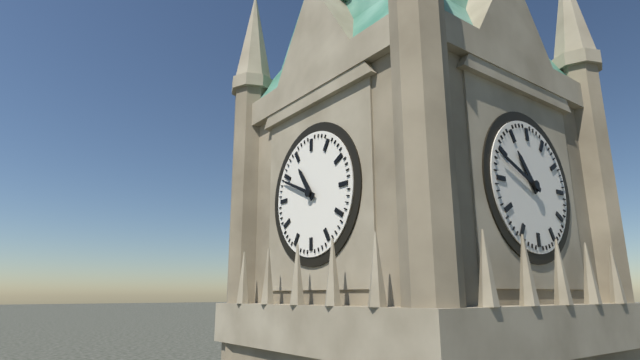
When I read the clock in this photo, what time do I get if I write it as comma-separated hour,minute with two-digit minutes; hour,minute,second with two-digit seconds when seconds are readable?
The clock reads 10,49
